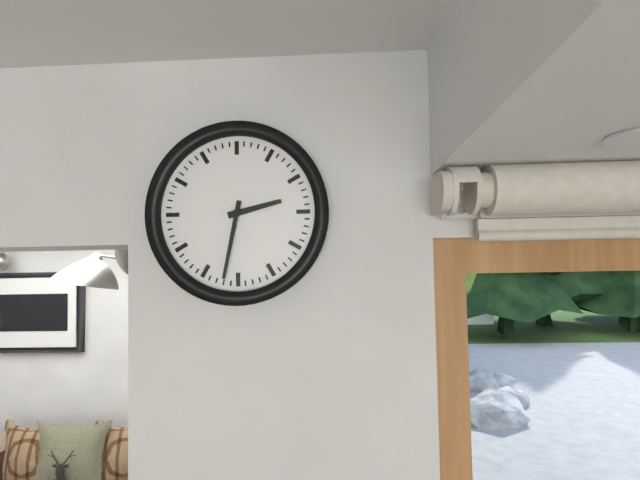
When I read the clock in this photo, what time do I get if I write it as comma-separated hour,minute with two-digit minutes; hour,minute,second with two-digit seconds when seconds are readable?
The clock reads 2,32
